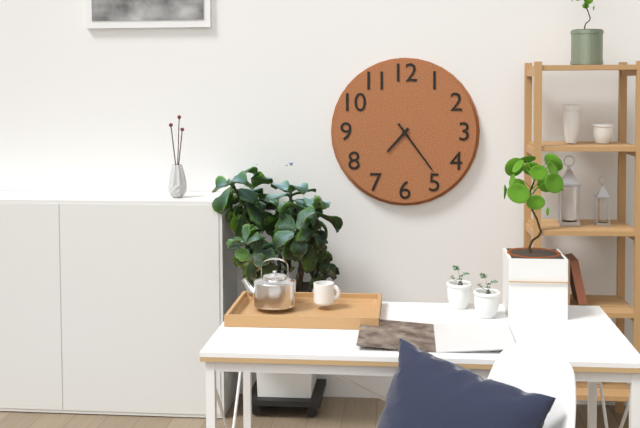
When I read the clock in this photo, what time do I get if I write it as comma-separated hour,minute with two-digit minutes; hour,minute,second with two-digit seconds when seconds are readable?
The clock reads 7,24
